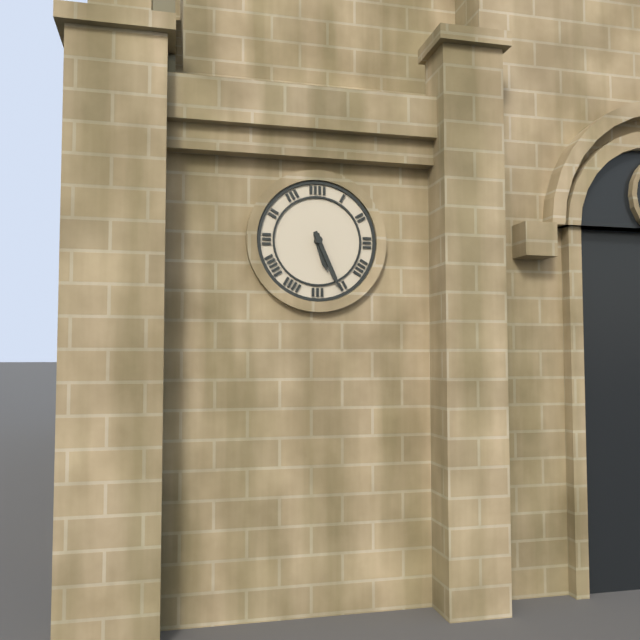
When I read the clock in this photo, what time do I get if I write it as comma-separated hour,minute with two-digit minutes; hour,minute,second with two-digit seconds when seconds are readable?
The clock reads 5,26
